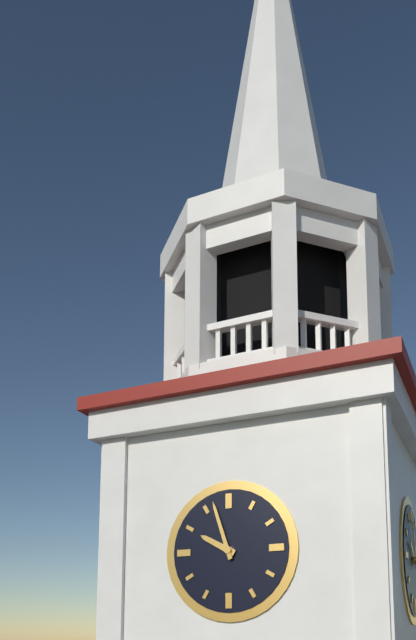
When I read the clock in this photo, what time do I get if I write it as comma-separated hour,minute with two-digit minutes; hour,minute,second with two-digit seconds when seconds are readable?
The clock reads 9,57
